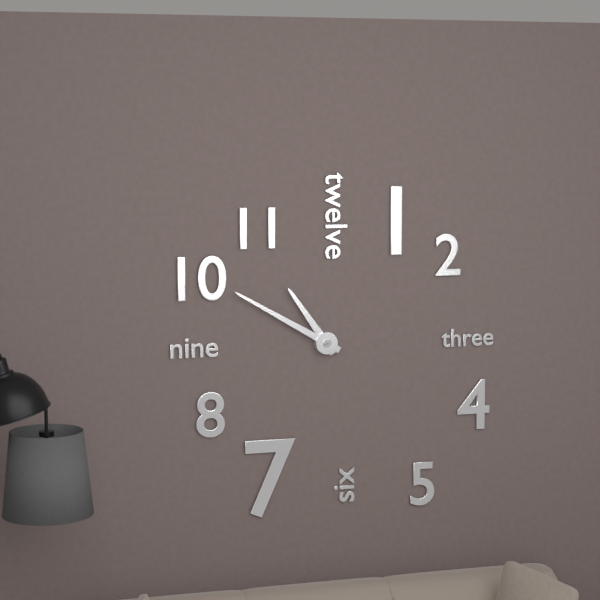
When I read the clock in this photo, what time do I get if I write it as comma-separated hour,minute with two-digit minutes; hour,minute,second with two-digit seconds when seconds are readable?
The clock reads 10,50
